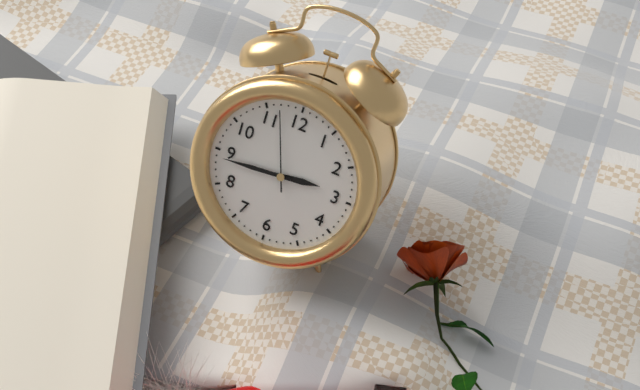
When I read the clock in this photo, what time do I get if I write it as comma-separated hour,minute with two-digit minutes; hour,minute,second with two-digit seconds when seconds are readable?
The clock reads 2,44,57
